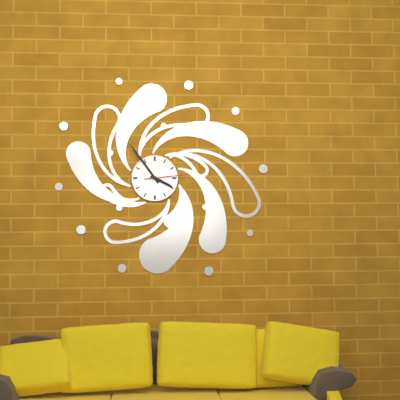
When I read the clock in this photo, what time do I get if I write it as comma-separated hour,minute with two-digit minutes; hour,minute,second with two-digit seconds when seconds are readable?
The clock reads 3,54
